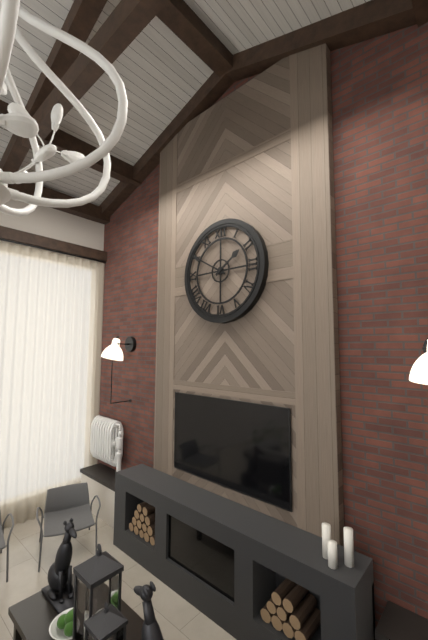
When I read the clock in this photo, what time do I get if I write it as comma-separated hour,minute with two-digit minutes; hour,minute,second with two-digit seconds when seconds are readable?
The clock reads 1,50
